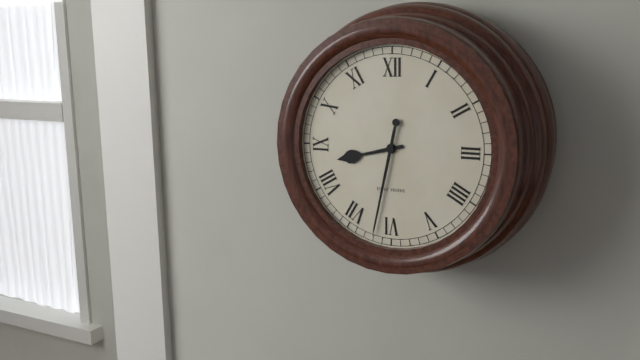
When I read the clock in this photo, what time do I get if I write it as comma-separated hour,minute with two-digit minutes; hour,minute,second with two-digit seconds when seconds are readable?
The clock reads 8,32
